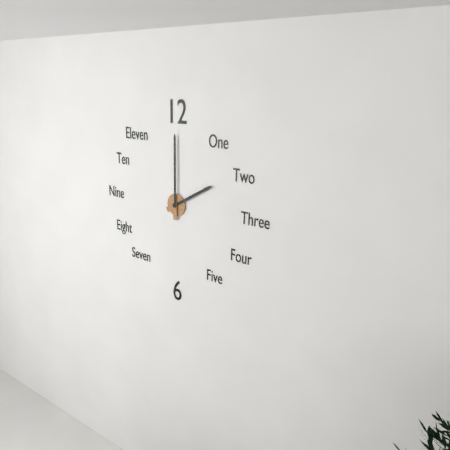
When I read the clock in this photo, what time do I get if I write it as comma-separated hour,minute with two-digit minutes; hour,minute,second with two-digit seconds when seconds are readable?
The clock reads 2,00
